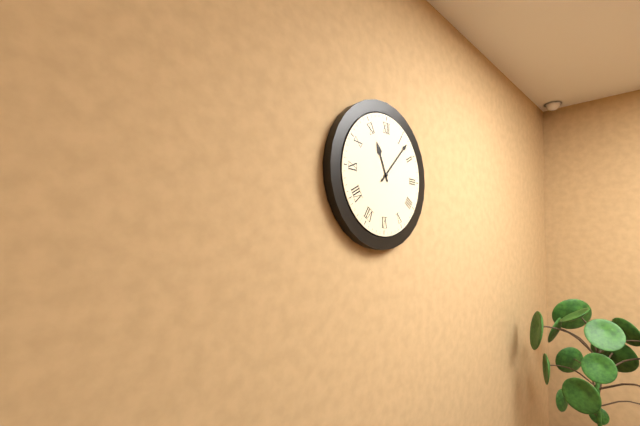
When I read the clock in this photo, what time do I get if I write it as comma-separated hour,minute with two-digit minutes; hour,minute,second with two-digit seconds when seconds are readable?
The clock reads 11,07
